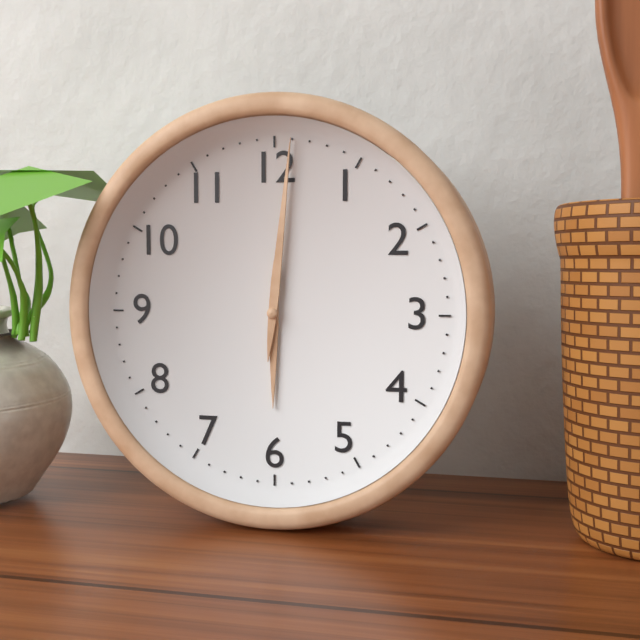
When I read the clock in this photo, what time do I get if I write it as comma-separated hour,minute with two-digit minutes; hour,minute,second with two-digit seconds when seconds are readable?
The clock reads 6,01
